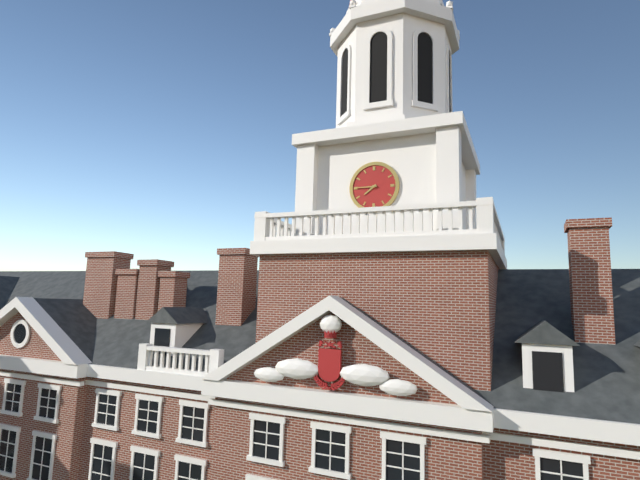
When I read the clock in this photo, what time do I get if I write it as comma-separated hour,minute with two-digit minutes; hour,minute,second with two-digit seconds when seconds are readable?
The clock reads 7,45
